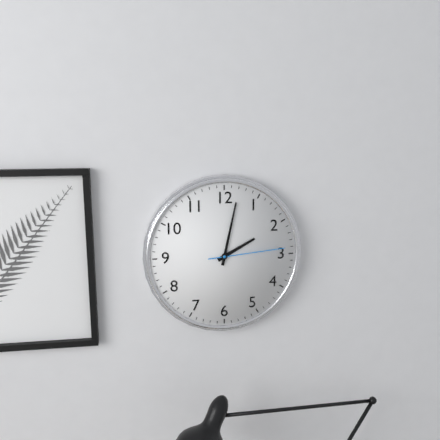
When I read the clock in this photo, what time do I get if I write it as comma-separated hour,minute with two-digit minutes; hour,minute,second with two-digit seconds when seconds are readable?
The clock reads 2,02,14
